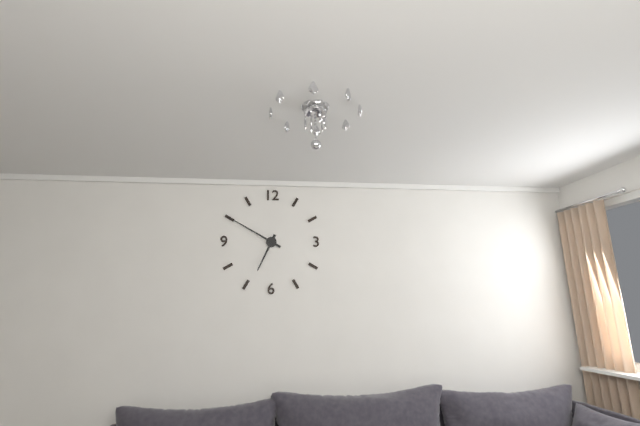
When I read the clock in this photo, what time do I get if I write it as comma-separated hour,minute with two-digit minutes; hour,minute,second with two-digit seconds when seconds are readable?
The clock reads 6,50
